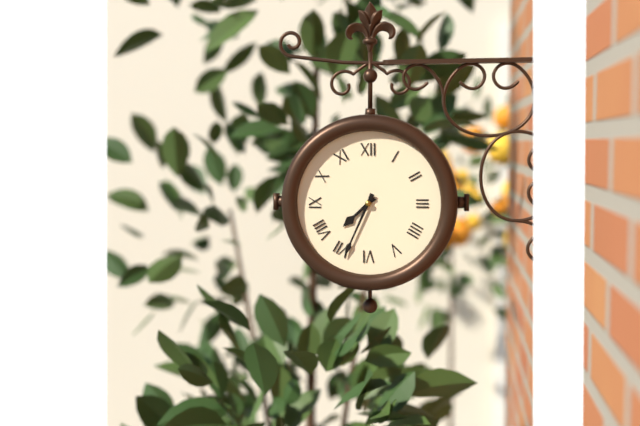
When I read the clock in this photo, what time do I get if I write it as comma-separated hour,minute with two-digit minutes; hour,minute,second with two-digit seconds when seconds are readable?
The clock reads 7,34
